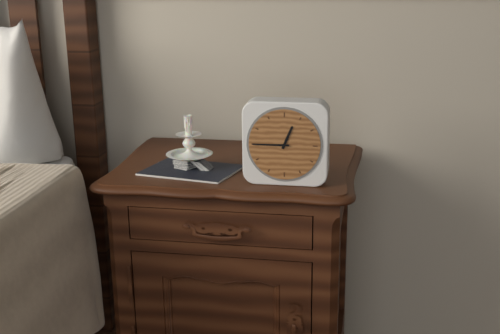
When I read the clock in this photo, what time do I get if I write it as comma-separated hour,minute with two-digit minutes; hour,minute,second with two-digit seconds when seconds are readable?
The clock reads 12,45
